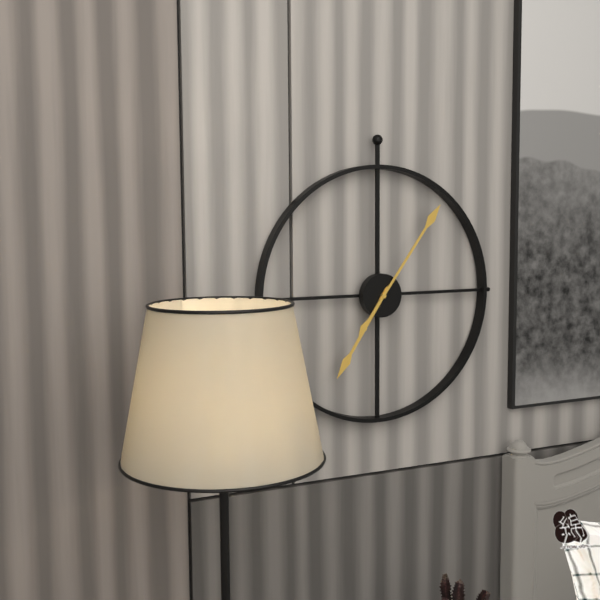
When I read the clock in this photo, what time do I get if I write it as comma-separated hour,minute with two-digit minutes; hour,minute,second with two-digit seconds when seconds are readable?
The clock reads 7,06
